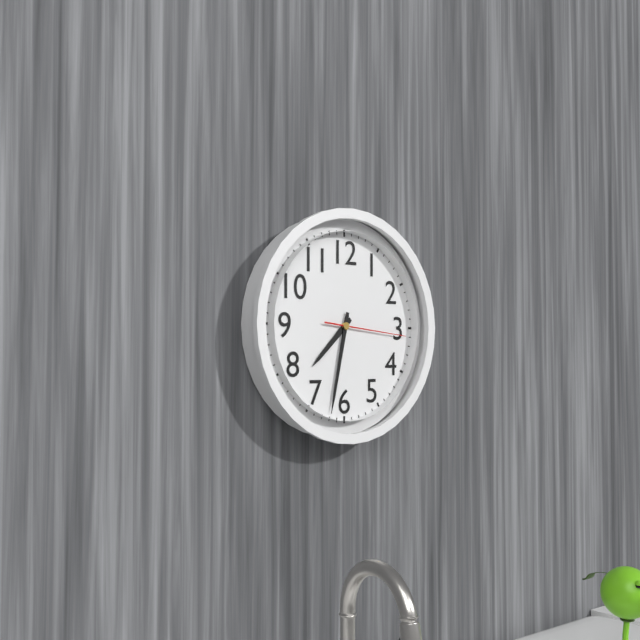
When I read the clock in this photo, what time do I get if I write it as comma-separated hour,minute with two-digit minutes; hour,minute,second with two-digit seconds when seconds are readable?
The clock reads 7,32,16
